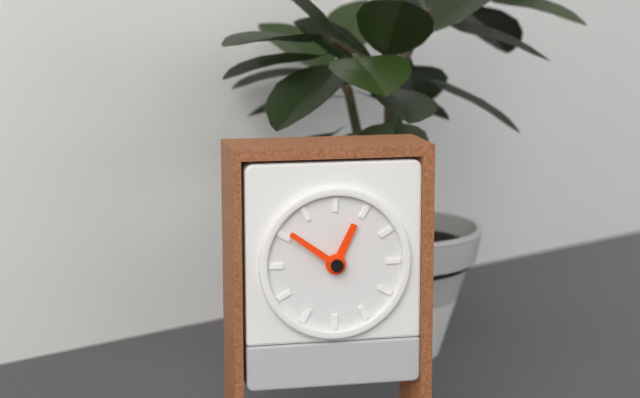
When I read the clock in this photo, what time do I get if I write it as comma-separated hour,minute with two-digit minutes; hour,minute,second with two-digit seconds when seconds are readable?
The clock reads 12,51
